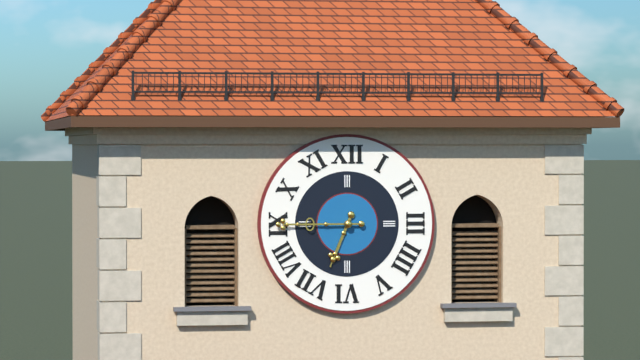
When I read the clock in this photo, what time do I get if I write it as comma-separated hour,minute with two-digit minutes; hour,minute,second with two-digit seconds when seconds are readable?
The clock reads 6,45
